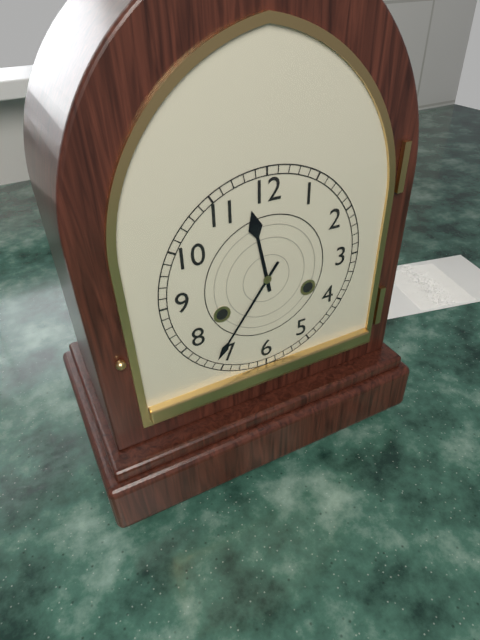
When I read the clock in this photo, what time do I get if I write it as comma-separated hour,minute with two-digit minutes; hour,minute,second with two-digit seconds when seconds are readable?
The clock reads 11,36
